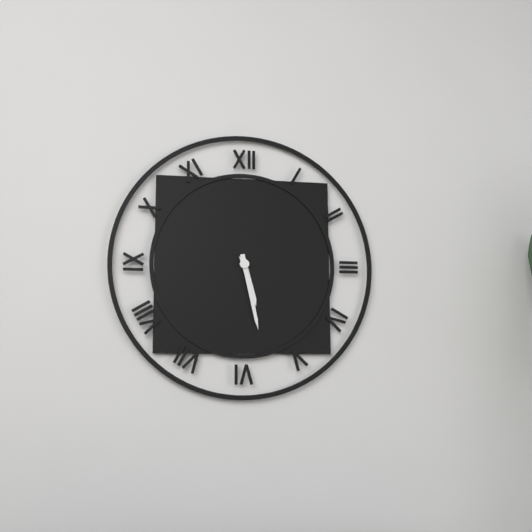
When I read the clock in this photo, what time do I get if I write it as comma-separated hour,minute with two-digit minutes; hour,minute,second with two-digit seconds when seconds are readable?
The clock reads 5,28
